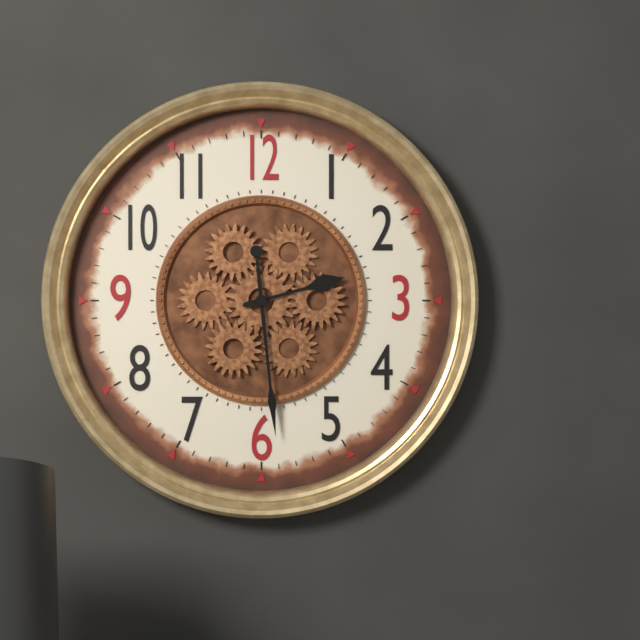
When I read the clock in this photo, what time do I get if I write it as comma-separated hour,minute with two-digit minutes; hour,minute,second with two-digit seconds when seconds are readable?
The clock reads 2,29
